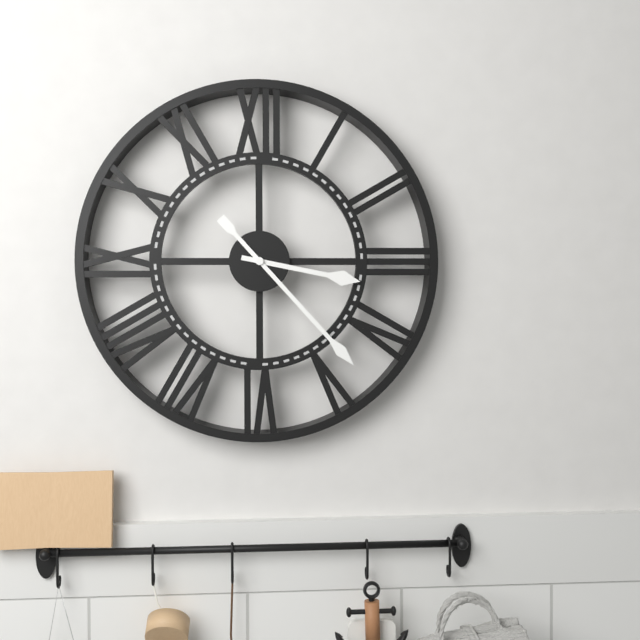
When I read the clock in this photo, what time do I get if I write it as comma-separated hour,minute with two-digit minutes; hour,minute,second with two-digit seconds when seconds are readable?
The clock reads 3,23
